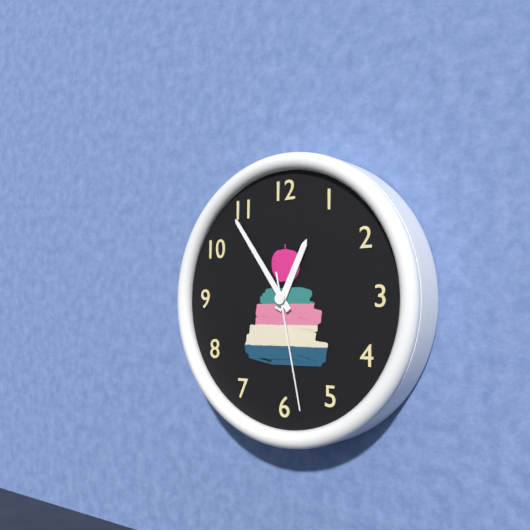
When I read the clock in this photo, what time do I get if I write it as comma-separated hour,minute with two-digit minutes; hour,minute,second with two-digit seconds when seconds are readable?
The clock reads 12,54,28
